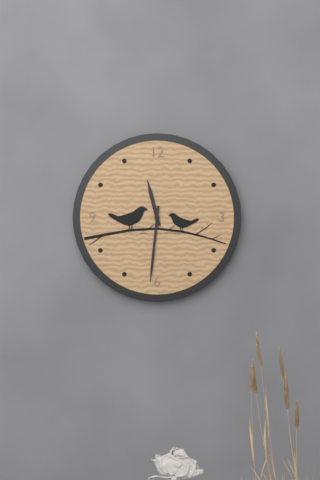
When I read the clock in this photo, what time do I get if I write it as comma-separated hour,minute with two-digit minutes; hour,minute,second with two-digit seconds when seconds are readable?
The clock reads 11,31
